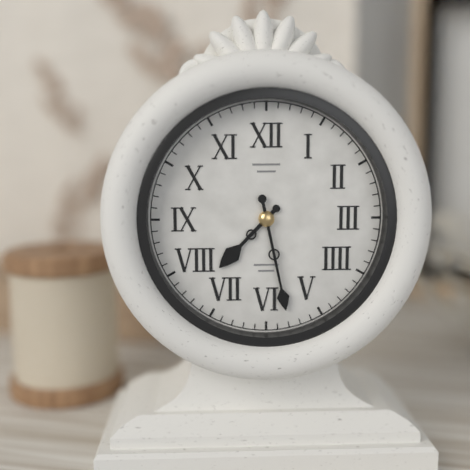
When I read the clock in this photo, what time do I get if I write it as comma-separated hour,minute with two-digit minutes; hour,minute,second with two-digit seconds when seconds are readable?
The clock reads 7,28
